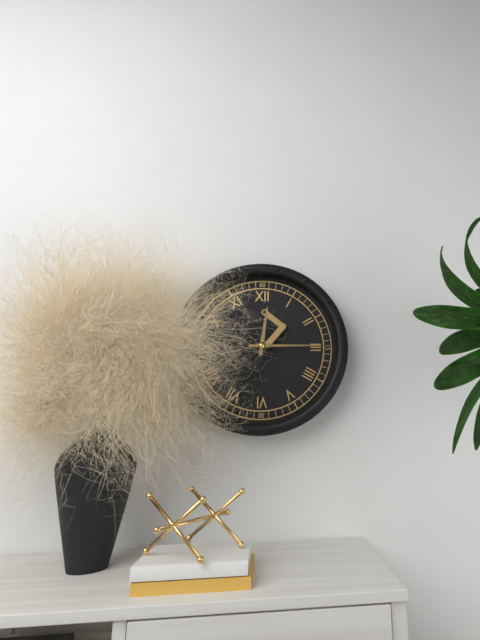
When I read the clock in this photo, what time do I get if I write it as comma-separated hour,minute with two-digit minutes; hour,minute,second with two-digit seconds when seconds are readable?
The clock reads 12,15
